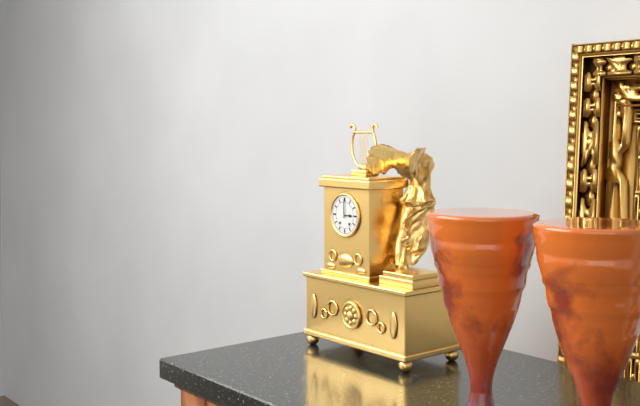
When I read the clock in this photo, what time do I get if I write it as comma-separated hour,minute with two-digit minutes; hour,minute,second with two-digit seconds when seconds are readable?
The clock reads 3,00
